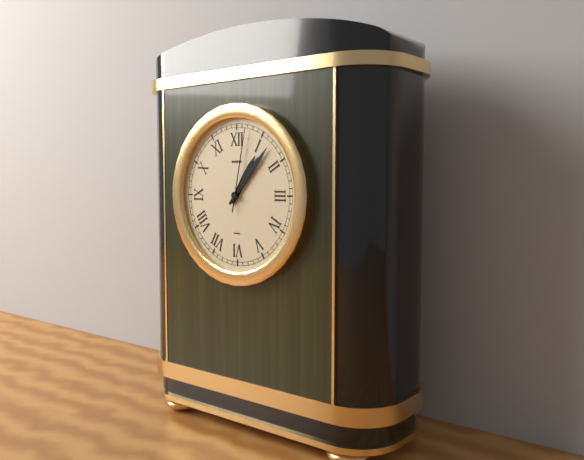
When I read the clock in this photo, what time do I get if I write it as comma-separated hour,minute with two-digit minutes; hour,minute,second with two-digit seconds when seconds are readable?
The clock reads 1,07,02
